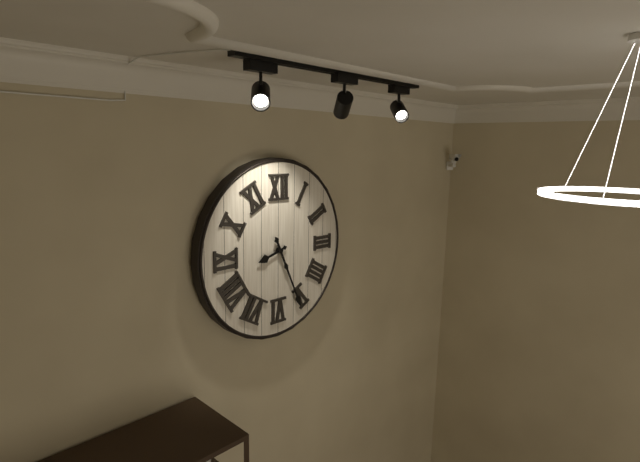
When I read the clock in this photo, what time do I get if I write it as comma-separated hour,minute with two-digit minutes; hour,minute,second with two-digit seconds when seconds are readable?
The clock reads 8,26
